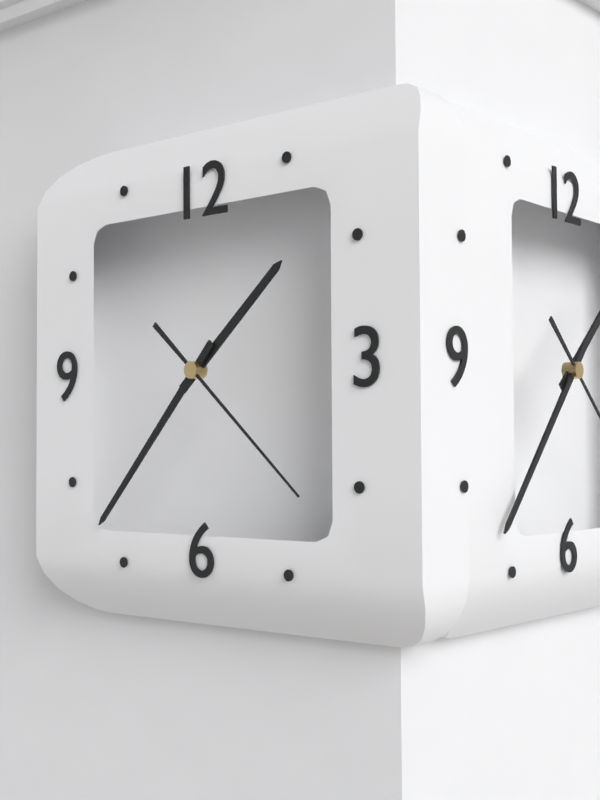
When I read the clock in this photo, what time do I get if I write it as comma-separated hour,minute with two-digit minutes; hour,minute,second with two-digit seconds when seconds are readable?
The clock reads 1,37,22
